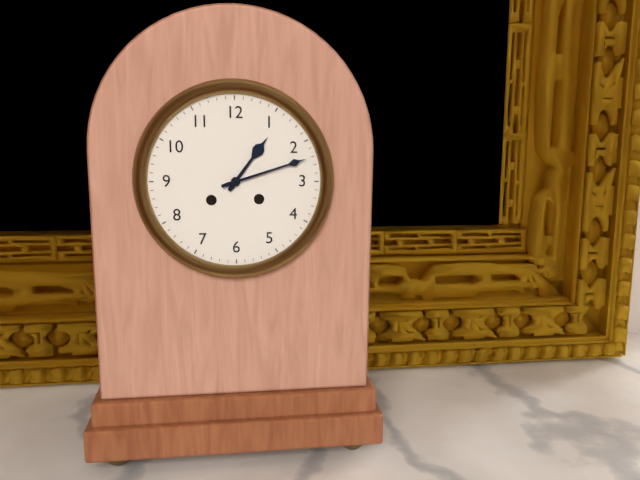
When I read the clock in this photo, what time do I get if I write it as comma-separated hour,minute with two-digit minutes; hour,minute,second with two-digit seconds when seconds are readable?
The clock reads 1,12
